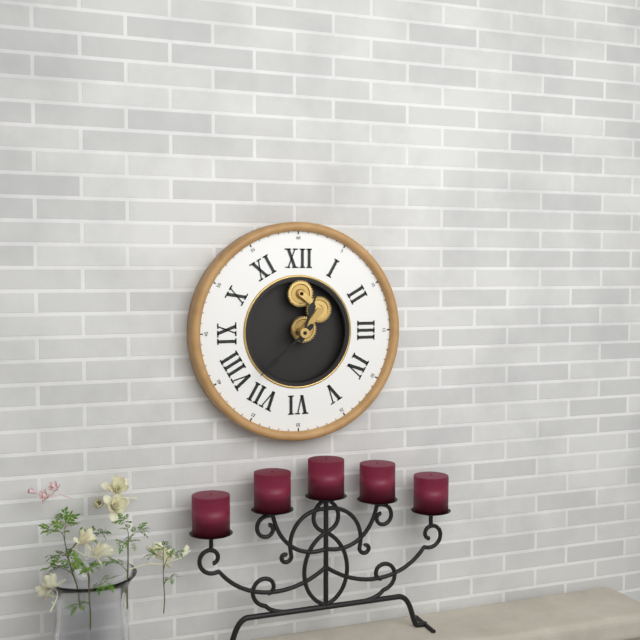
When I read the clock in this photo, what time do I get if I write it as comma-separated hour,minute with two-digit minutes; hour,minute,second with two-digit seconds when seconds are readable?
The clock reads 12,38
